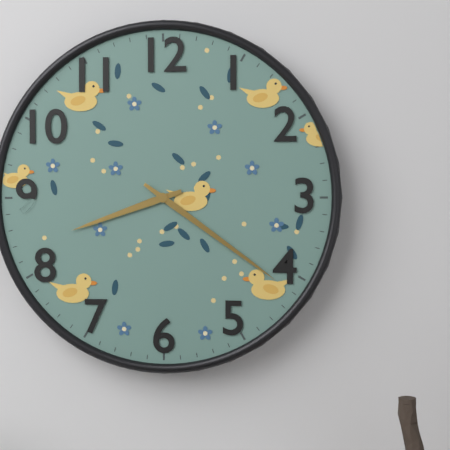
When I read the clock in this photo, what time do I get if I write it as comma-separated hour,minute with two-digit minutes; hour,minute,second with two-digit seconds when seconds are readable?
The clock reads 8,21
